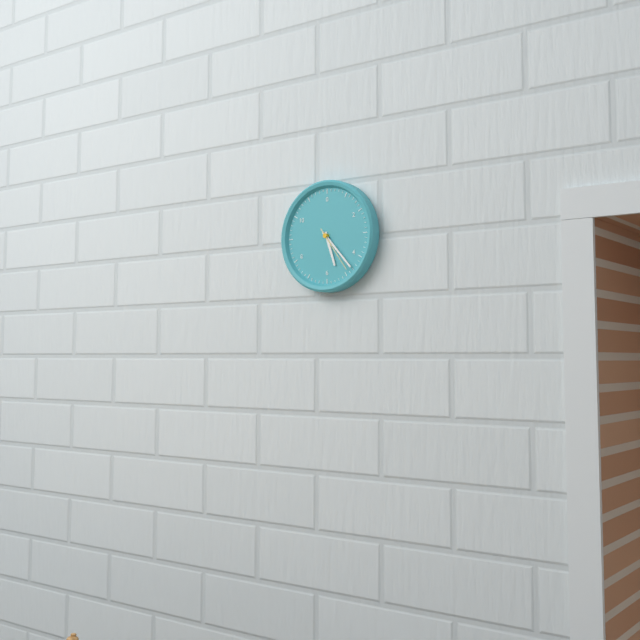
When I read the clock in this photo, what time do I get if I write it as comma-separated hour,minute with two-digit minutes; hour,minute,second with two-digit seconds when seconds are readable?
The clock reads 5,23
